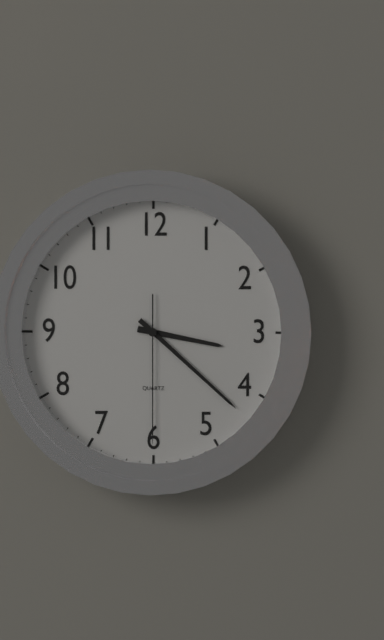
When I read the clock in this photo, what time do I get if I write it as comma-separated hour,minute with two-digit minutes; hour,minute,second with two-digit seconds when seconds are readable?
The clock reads 3,22,30
